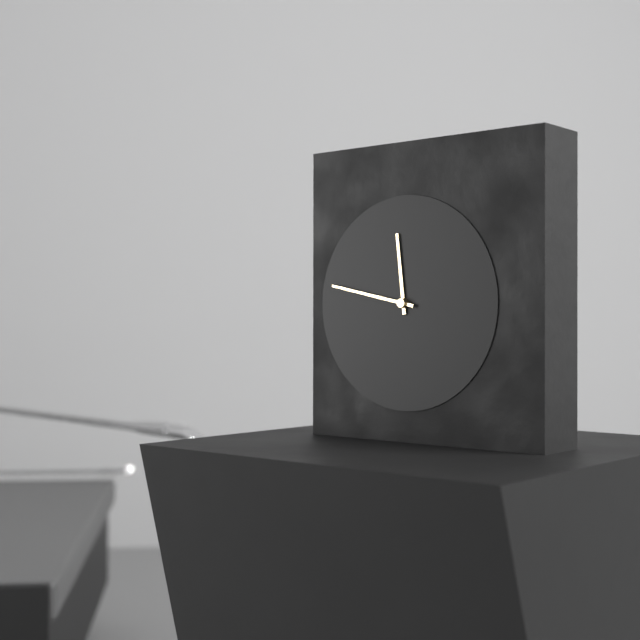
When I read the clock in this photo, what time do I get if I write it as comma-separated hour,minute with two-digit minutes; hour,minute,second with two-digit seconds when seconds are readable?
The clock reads 11,47
